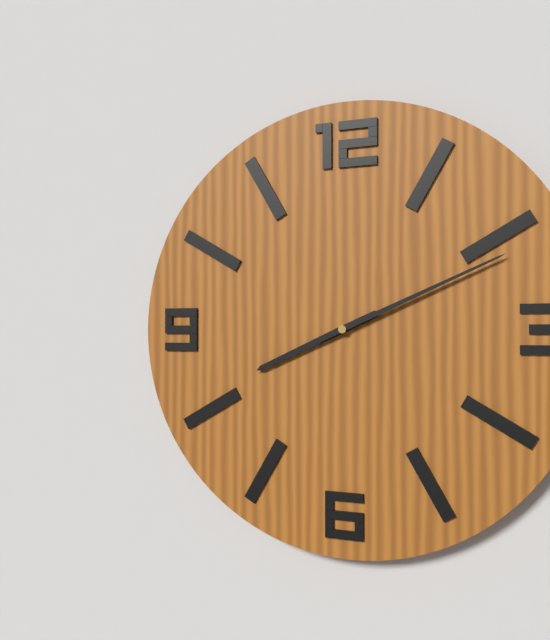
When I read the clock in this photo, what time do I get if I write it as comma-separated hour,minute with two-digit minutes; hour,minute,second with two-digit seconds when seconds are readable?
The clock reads 8,11
